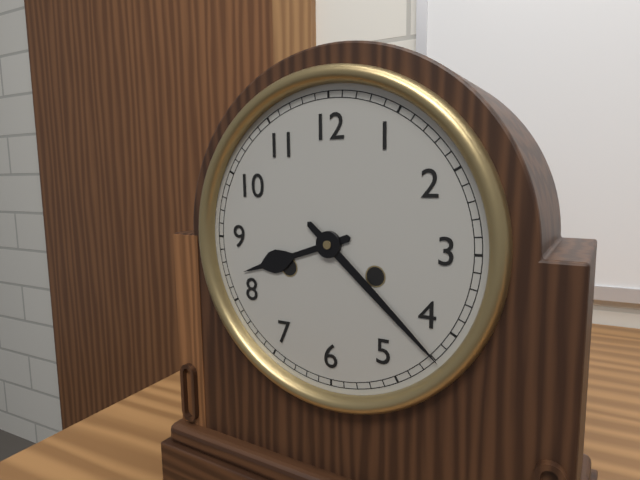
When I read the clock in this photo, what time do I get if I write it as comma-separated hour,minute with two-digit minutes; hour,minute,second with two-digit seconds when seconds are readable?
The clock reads 8,22
